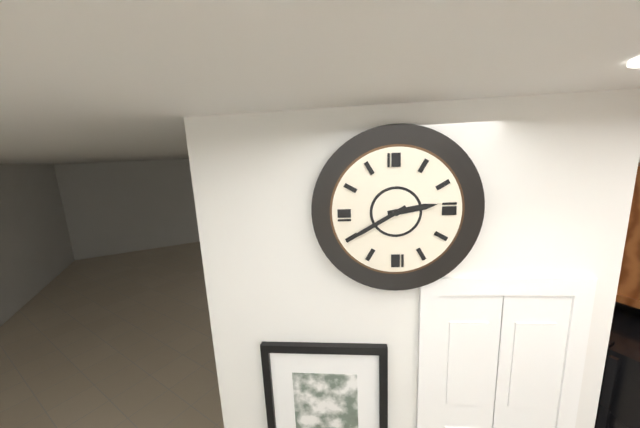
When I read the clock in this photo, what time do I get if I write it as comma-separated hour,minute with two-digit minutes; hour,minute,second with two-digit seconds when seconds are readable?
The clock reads 2,40
